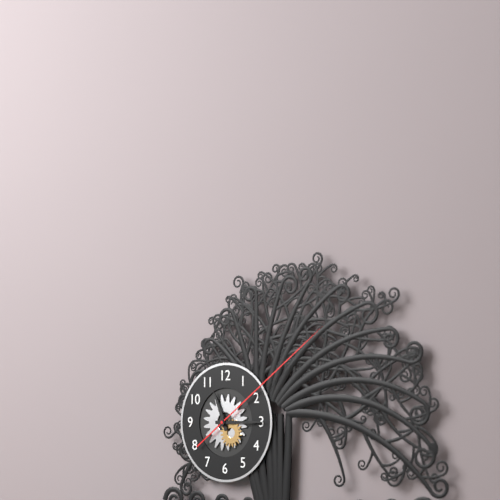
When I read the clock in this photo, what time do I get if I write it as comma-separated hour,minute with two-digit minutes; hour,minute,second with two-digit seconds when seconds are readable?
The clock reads 11,15,09
